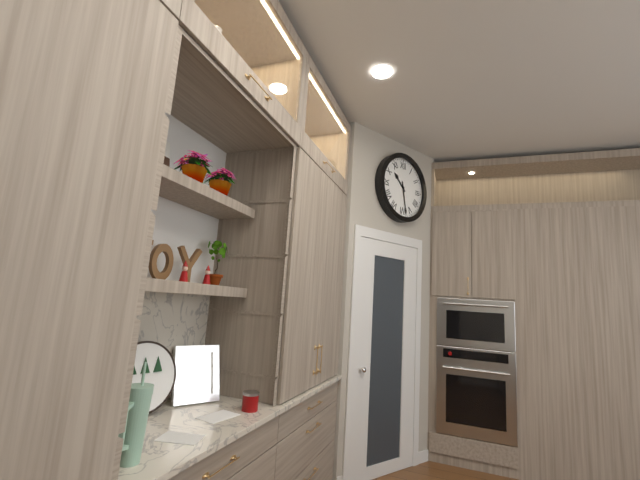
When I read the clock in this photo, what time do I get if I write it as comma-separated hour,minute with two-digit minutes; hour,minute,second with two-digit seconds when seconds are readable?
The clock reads 10,28
